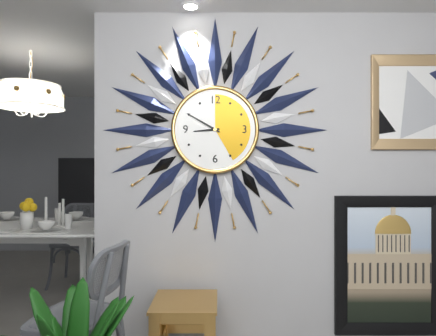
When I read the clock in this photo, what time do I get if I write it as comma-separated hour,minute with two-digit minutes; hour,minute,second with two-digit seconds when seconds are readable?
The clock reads 8,50
